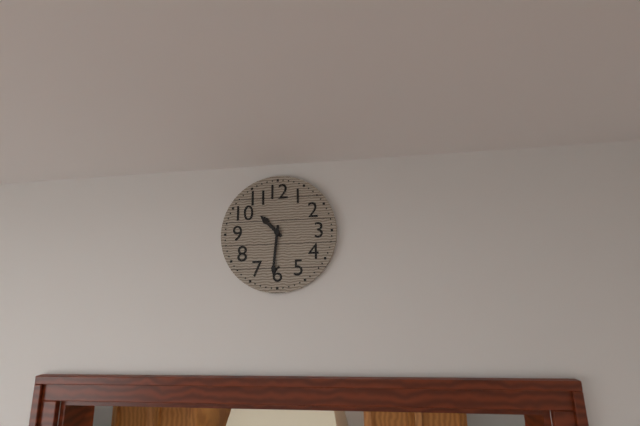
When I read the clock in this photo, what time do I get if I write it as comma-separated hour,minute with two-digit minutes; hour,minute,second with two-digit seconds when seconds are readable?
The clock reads 10,31
